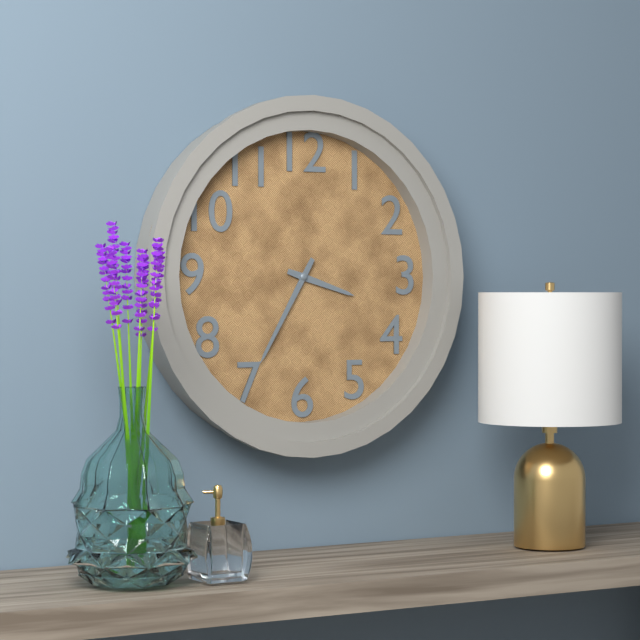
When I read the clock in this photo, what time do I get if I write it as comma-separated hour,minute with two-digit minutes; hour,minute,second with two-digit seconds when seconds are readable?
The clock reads 3,35
